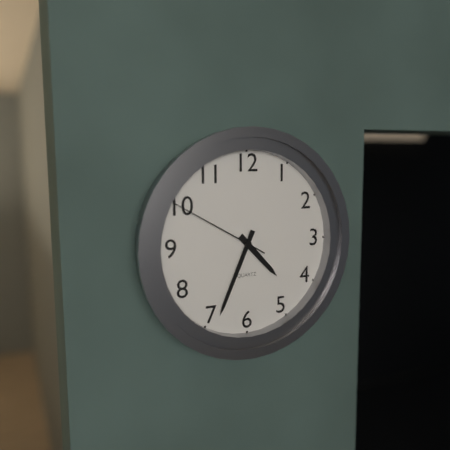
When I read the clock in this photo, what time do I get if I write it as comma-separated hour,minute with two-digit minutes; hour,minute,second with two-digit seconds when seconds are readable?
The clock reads 4,34,50
